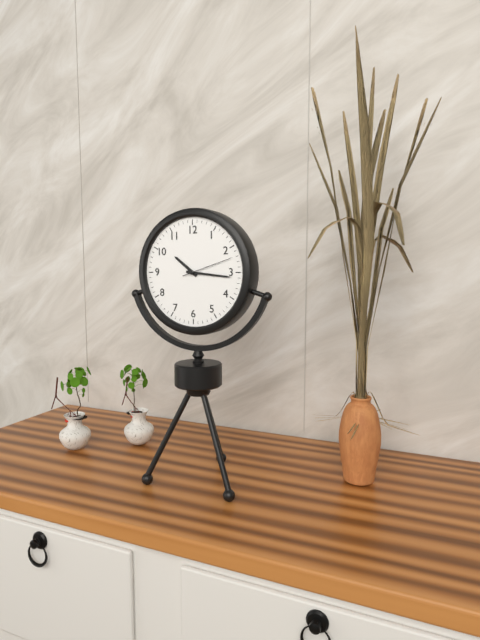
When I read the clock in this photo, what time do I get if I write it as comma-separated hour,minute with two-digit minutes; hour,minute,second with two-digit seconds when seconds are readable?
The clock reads 10,16,12
